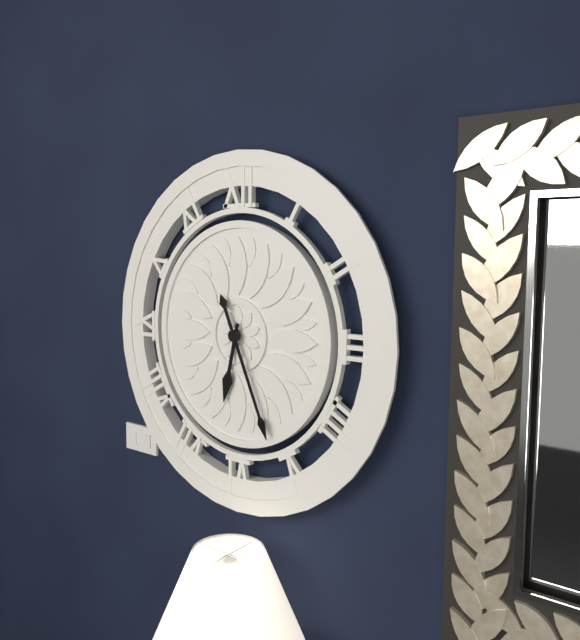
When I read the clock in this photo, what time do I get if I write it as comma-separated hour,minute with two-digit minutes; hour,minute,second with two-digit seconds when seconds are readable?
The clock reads 6,26
